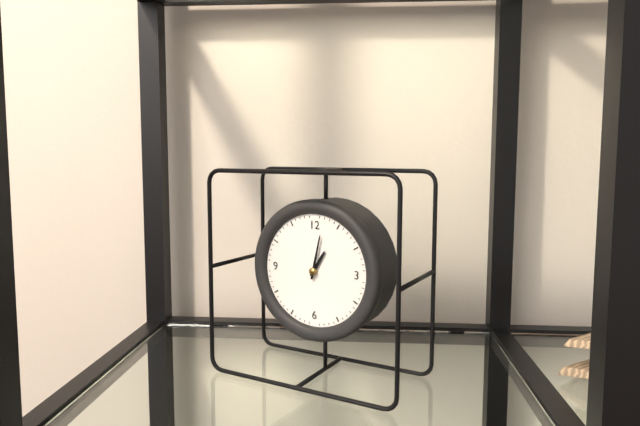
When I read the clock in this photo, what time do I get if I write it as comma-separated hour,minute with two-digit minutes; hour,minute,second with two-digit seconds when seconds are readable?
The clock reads 1,02
